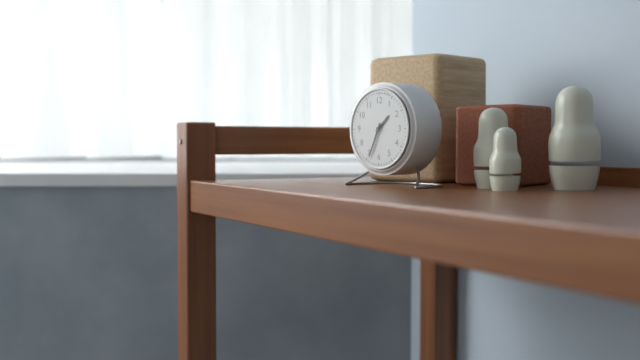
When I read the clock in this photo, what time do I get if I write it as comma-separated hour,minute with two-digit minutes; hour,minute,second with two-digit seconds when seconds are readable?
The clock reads 1,34
